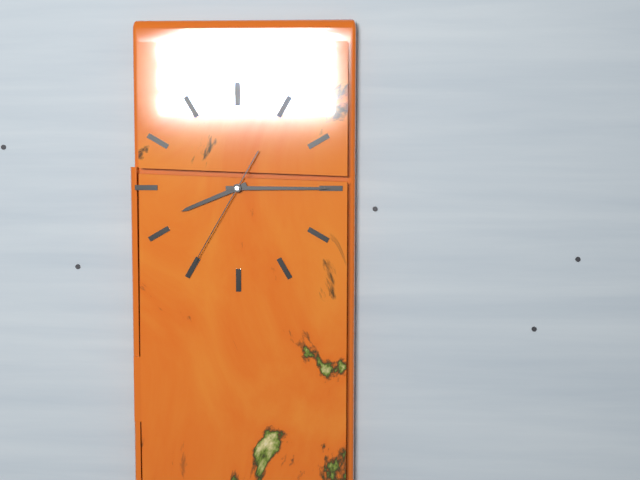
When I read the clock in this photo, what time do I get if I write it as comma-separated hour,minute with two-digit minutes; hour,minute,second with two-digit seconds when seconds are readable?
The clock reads 8,15,35
